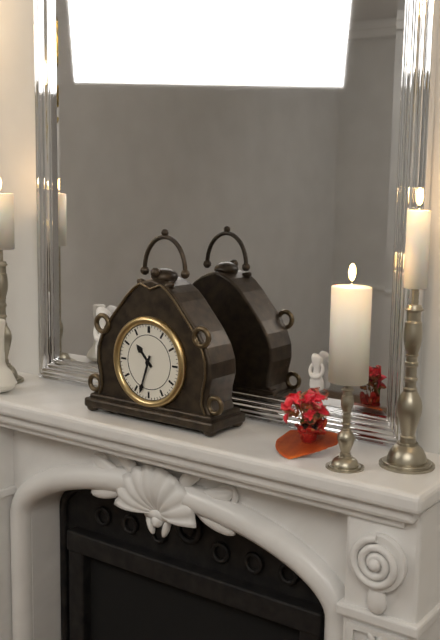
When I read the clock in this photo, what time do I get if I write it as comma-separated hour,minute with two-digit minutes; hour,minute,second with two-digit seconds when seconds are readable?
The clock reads 10,33
